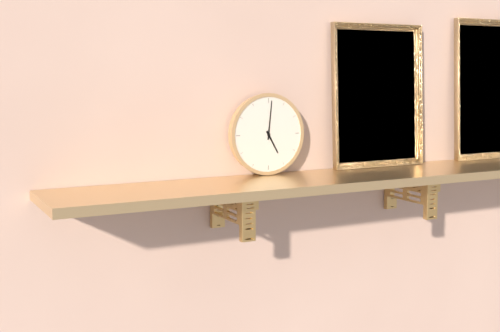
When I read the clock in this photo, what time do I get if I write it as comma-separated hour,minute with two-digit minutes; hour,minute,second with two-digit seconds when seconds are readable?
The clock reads 5,01
